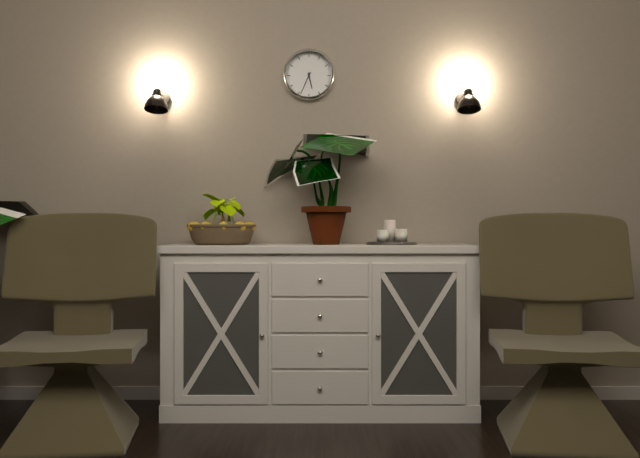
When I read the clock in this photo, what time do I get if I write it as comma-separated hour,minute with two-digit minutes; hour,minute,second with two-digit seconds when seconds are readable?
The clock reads 5,34
